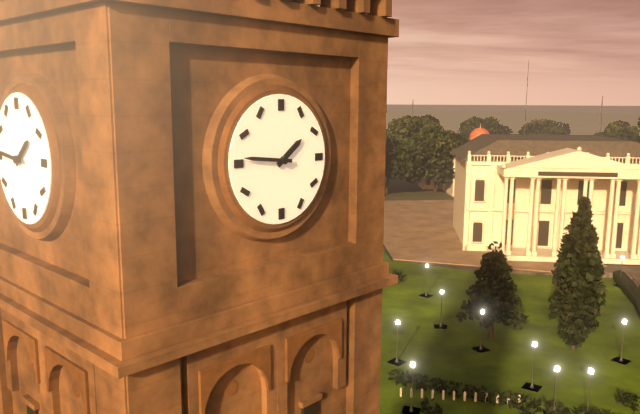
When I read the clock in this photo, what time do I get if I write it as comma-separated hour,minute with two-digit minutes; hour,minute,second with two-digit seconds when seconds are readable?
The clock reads 1,46
